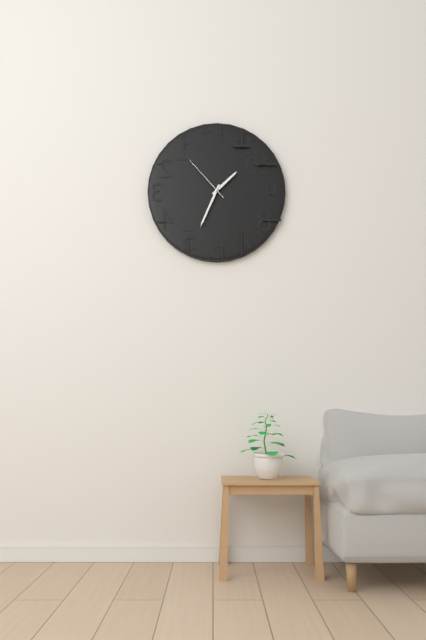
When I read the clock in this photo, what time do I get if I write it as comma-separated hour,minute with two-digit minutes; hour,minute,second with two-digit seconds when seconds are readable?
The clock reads 1,34,53
